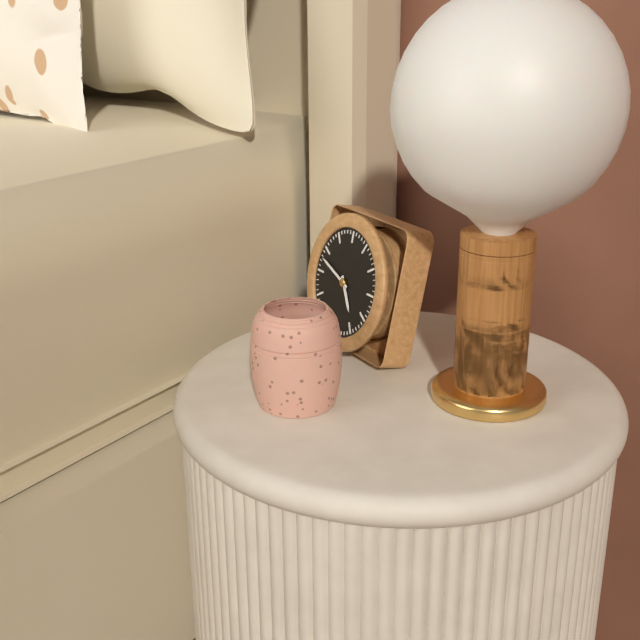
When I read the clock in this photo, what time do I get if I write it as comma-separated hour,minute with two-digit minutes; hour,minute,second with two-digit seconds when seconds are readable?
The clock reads 4,48
